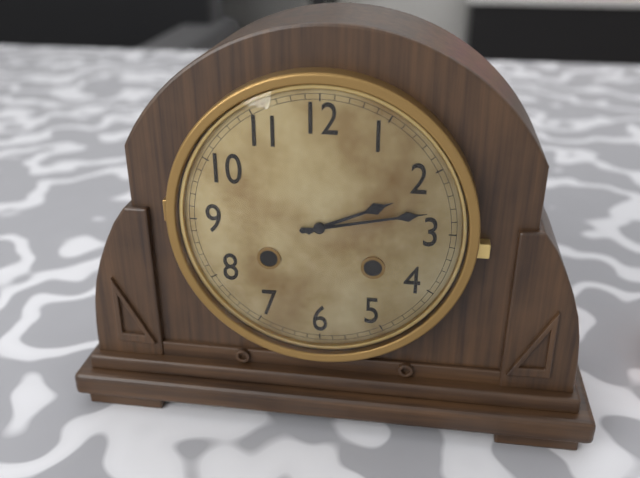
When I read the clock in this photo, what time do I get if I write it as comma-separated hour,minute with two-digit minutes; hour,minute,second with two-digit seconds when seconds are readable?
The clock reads 2,13
